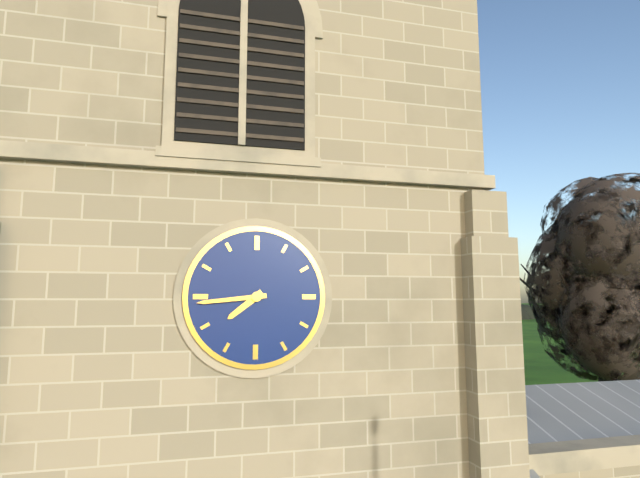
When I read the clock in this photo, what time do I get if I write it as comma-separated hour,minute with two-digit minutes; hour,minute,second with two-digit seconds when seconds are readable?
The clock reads 7,44
